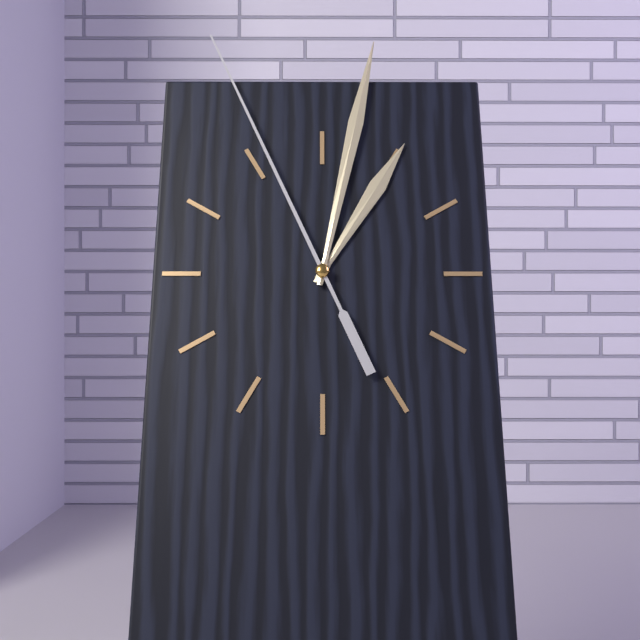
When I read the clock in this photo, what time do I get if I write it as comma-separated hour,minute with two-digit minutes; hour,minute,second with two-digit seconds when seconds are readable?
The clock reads 1,02,56
